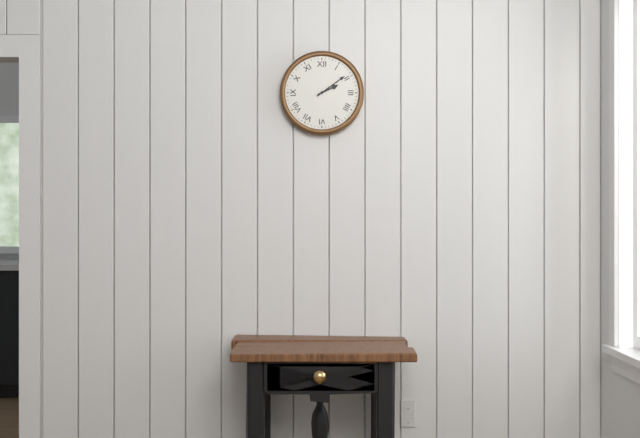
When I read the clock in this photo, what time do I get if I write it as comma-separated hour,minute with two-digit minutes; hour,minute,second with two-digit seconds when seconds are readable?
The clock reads 2,09
